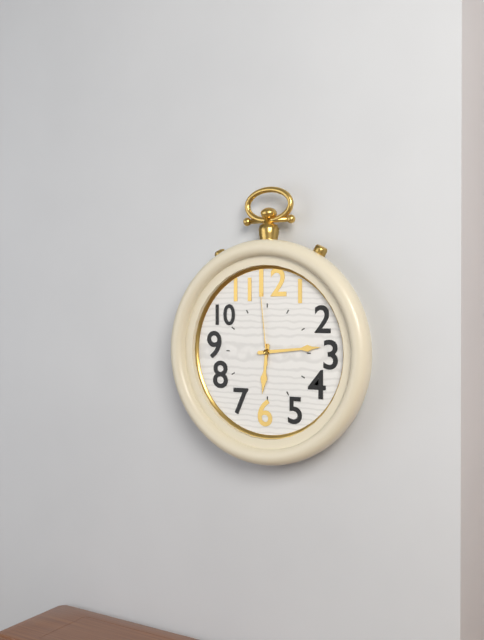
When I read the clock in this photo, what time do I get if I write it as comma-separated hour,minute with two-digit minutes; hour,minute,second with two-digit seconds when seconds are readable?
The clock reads 6,14,59
